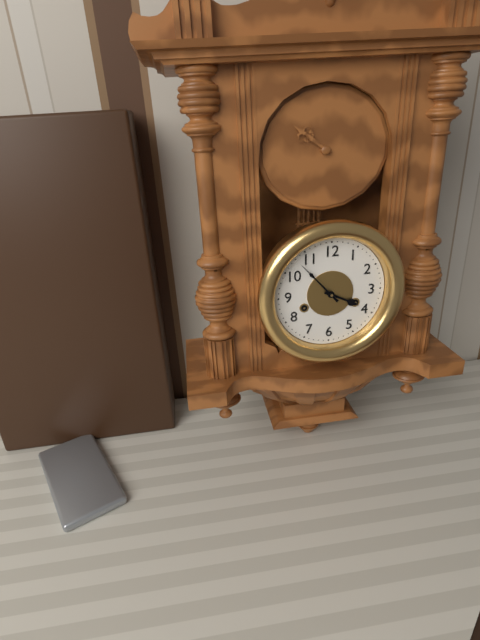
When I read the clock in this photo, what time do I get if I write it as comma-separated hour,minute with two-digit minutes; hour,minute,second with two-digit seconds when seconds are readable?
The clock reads 3,53
